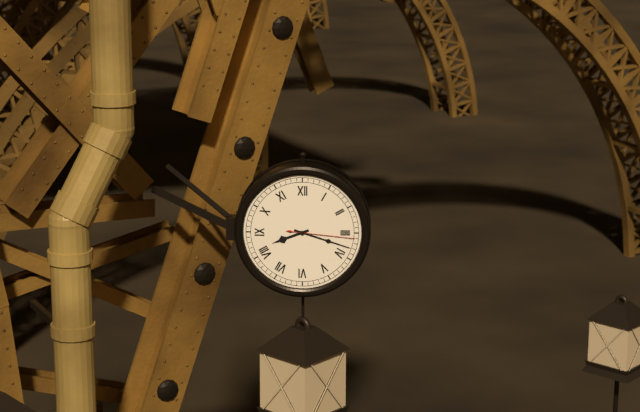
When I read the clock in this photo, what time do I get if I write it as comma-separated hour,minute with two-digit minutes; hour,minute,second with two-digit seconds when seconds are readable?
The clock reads 8,18,16
